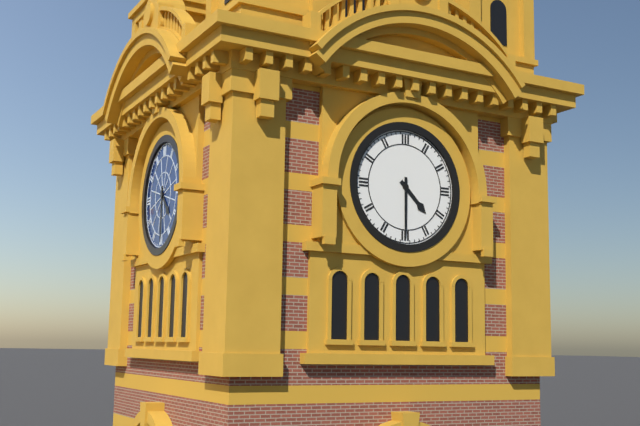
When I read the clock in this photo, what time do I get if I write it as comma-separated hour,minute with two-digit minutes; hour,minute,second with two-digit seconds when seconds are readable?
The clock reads 4,30
